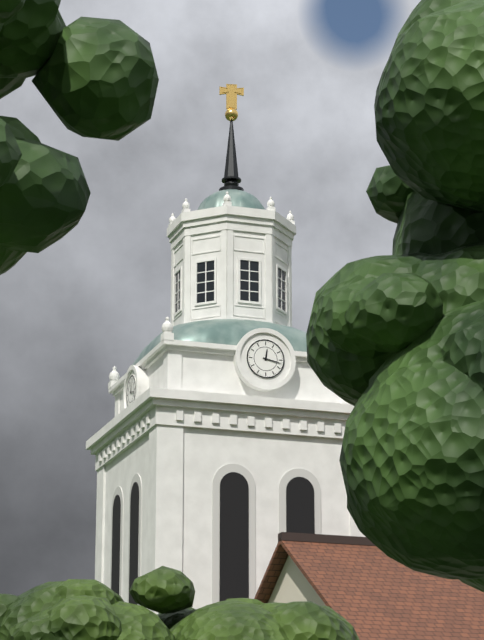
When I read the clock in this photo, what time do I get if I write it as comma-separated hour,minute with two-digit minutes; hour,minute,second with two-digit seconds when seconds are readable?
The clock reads 12,17
